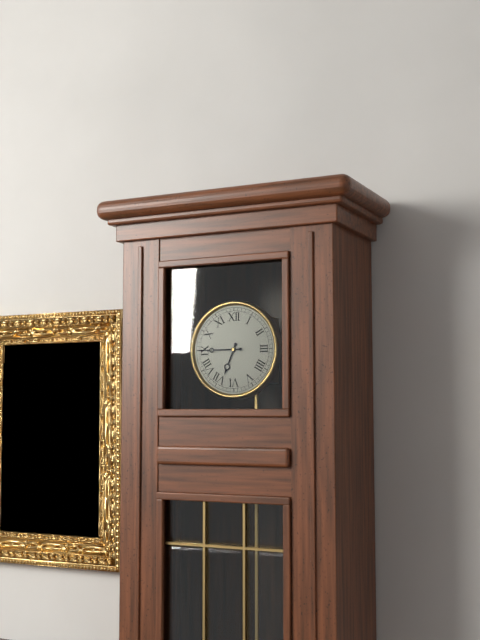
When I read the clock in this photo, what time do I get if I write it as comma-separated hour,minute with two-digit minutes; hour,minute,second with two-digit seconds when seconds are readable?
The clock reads 6,45
